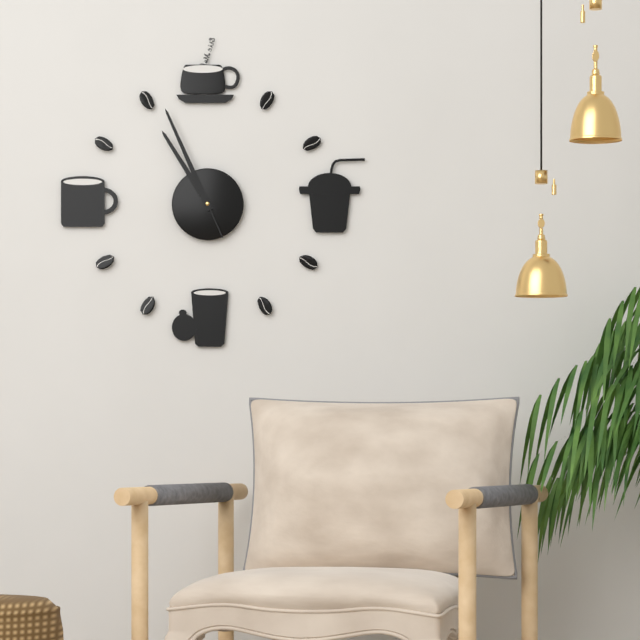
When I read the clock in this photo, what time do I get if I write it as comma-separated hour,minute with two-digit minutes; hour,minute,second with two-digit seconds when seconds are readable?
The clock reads 10,56,56
